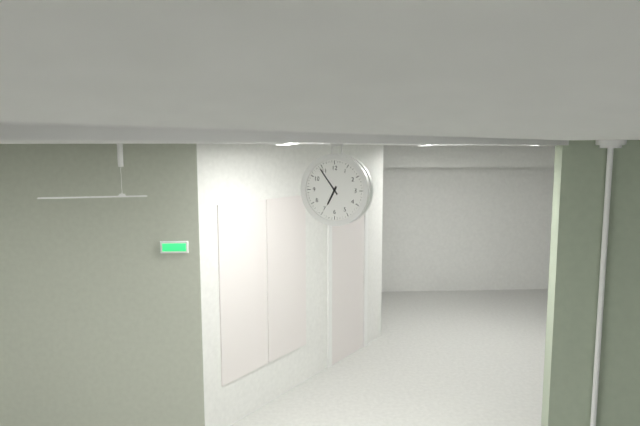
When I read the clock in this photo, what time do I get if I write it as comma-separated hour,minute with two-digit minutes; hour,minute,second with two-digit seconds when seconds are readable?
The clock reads 6,54
